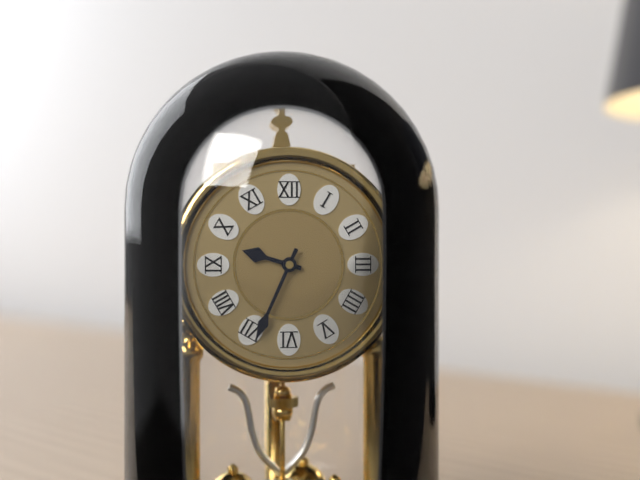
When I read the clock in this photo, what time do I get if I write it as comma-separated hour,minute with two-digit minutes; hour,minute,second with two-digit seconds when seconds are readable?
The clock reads 9,34
